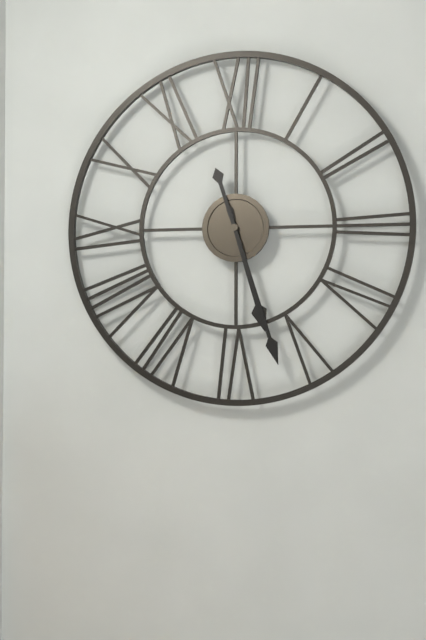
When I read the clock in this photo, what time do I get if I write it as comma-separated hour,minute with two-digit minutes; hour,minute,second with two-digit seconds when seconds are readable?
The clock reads 5,27
